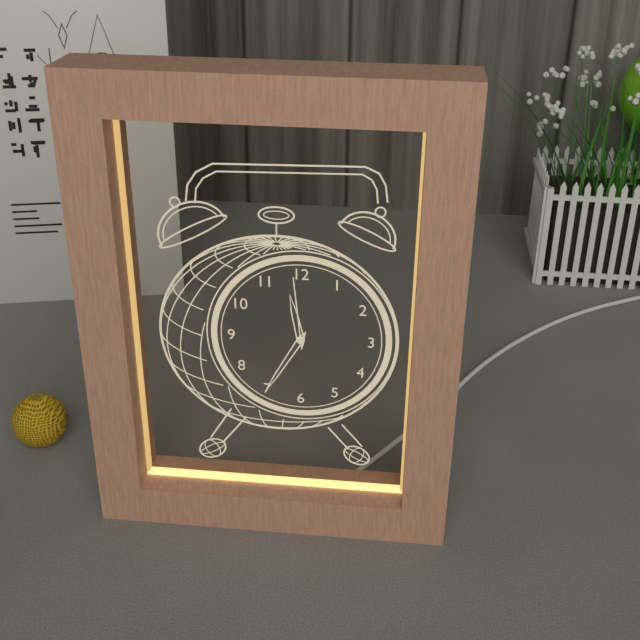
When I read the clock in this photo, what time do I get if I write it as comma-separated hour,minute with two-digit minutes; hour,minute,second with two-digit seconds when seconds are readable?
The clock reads 11,35,59
